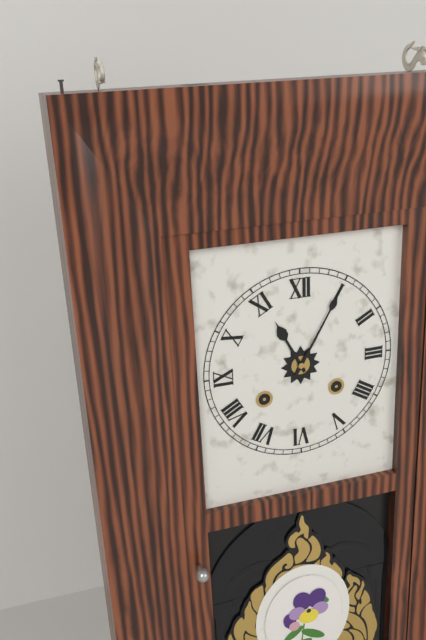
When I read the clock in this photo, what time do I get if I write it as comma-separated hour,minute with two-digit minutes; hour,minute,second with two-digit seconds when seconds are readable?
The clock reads 11,05
